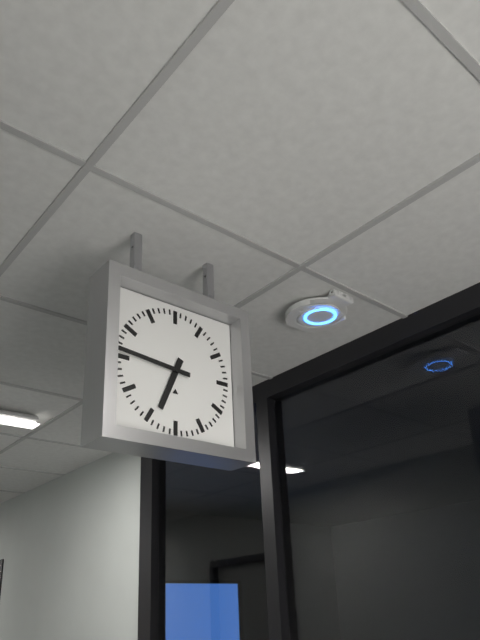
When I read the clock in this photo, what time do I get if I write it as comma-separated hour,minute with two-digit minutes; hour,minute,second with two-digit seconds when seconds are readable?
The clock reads 6,46
